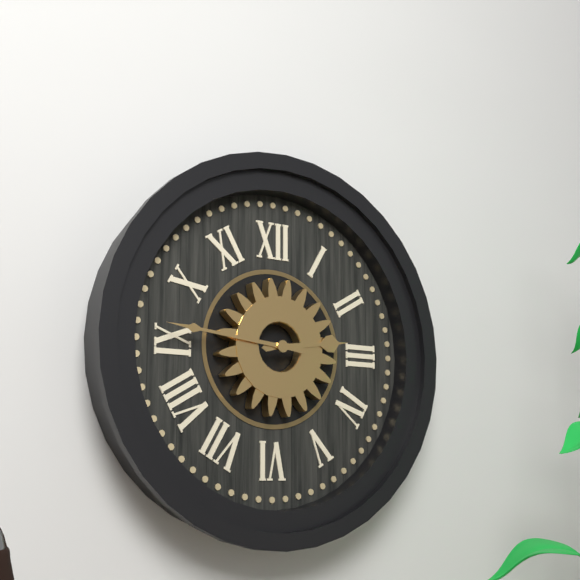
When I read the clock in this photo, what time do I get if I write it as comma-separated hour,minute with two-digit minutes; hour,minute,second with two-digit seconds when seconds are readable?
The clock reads 2,46
